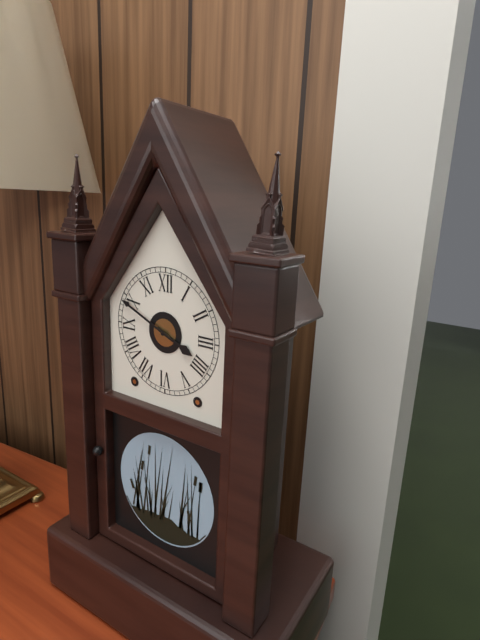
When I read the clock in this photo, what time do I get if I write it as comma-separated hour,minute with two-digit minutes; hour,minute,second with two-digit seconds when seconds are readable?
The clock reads 3,49
